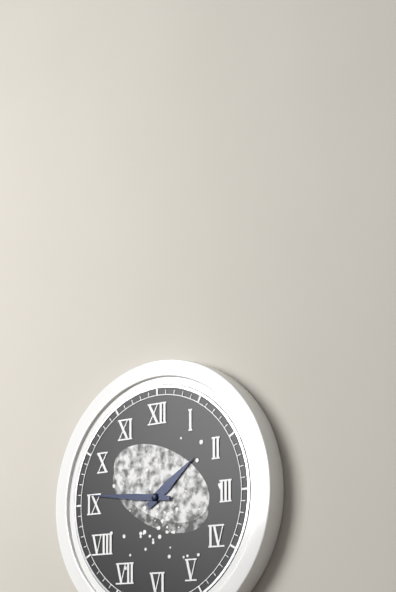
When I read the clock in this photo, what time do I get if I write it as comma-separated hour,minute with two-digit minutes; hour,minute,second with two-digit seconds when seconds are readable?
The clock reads 1,46
